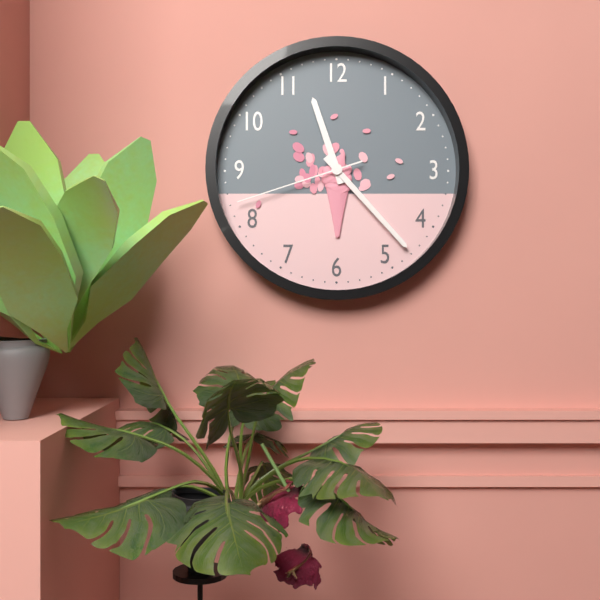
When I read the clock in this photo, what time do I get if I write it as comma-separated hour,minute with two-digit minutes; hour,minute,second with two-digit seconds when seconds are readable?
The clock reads 11,23,42
